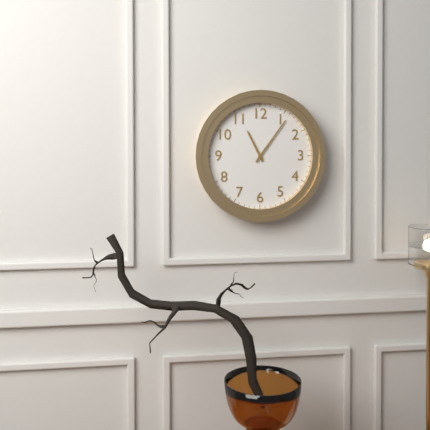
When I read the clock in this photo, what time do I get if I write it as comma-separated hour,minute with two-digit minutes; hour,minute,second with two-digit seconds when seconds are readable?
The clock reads 11,06
